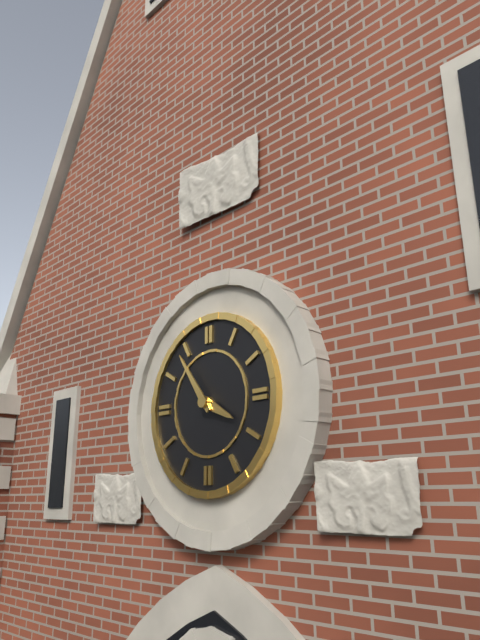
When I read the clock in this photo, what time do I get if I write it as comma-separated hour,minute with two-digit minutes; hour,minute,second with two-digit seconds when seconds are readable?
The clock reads 3,54
